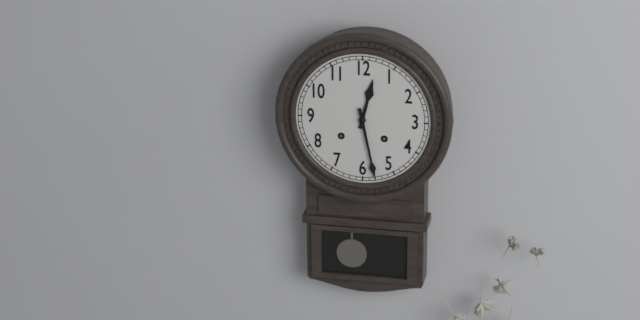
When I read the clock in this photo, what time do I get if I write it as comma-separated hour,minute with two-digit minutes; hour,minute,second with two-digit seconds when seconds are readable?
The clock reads 12,28
